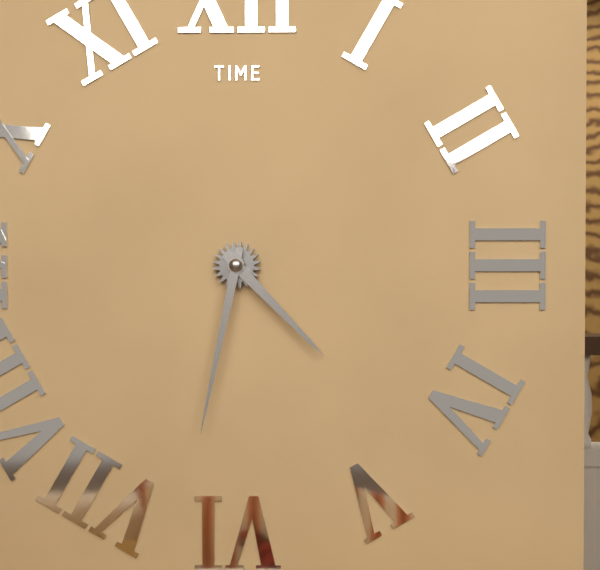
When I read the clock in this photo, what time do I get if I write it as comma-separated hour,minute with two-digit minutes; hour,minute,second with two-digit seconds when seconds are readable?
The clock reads 4,32
